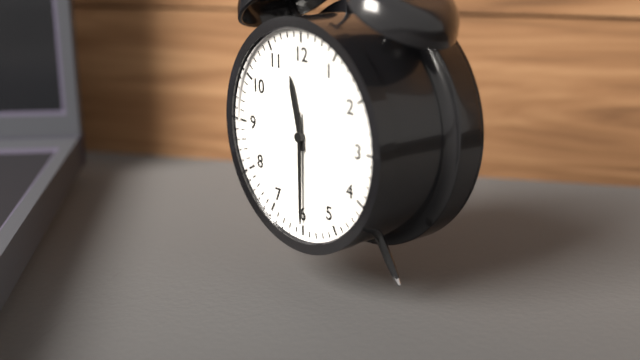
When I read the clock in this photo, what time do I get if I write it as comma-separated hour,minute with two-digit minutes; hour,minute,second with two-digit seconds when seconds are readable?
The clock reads 11,30
